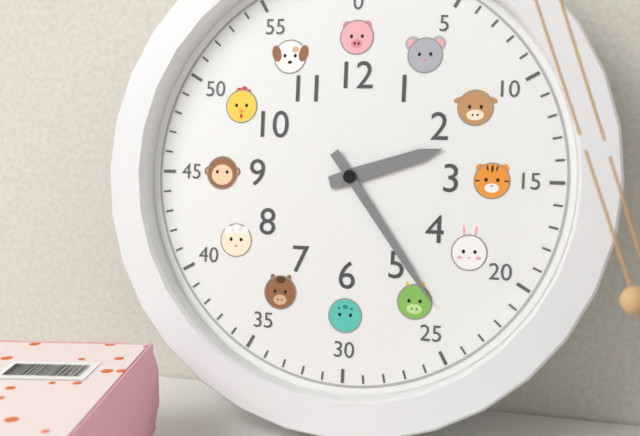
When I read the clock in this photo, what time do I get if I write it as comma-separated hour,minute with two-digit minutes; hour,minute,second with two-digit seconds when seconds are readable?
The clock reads 2,24
